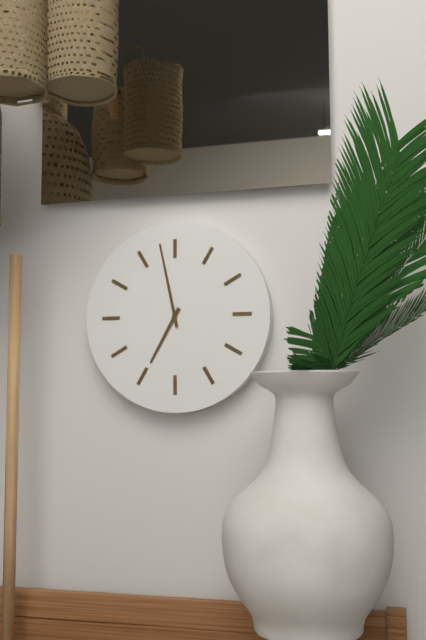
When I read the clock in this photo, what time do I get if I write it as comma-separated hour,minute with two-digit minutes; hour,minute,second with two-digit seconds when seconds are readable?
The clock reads 6,58
